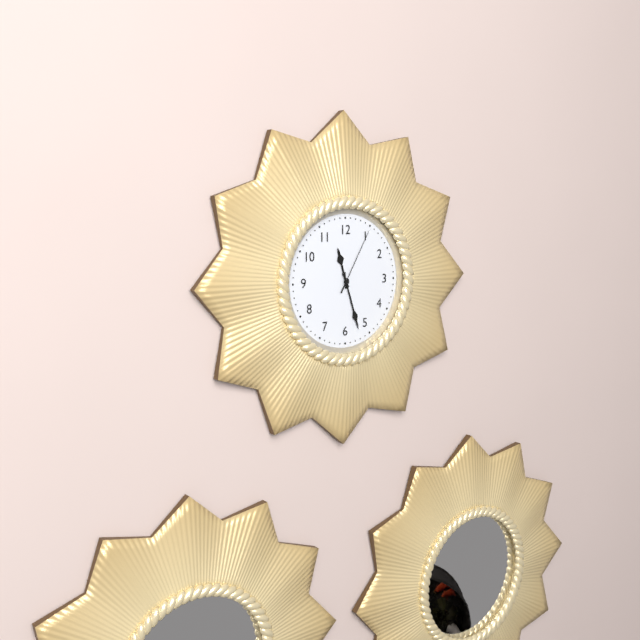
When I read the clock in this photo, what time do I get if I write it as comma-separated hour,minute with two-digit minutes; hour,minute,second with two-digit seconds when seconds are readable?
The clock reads 11,27,05
